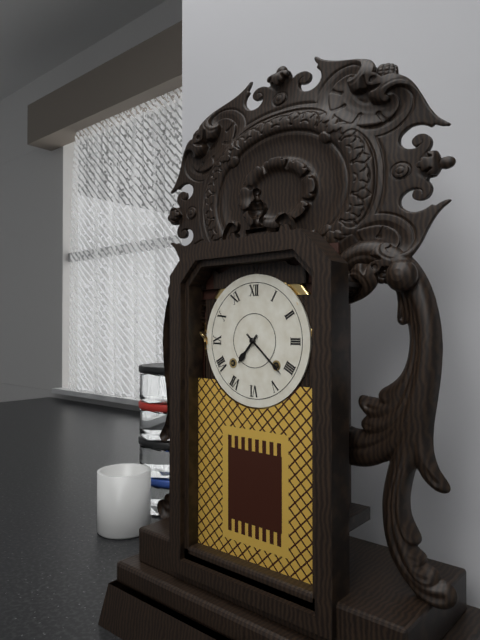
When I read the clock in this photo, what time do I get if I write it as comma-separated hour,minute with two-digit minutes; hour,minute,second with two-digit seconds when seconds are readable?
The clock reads 7,22
